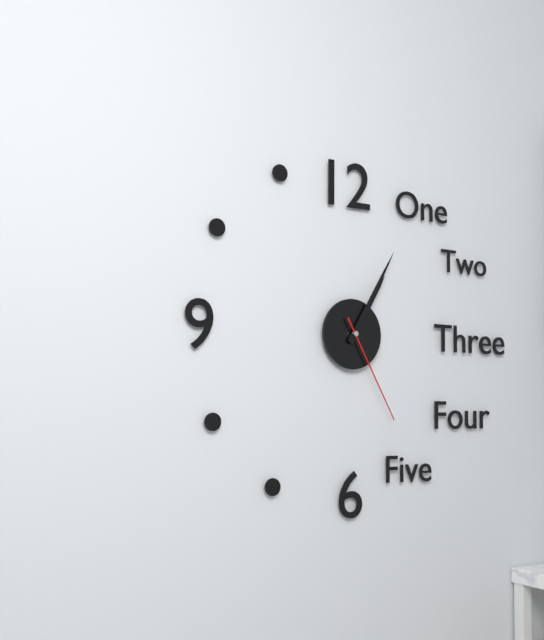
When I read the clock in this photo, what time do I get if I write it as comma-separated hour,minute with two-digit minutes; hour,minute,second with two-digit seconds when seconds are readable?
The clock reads 1,05,25
